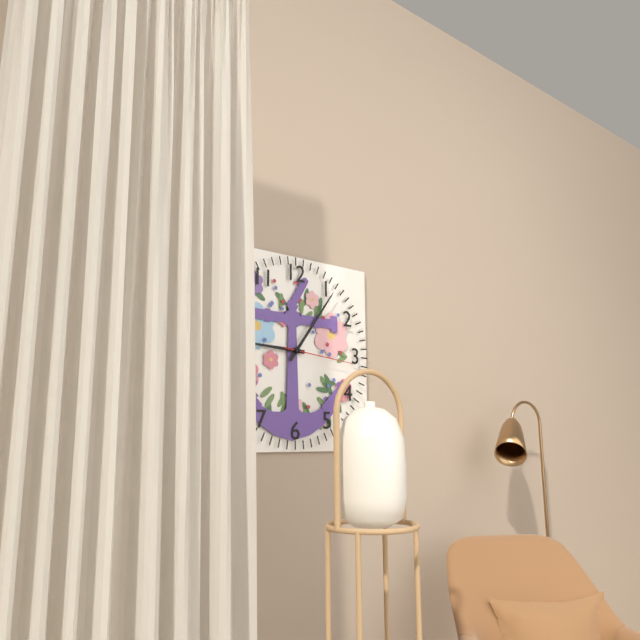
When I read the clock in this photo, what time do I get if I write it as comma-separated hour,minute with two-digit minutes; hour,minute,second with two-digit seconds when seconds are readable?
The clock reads 9,06,16
